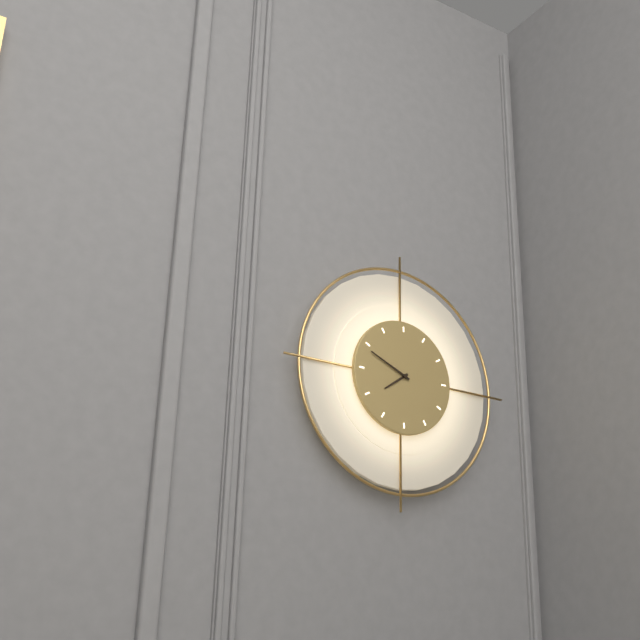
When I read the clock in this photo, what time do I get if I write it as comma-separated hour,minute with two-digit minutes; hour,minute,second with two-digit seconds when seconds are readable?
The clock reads 7,49
